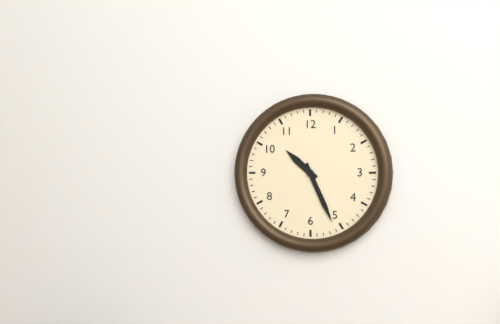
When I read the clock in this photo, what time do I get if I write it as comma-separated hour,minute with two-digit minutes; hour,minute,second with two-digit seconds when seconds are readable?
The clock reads 10,26
